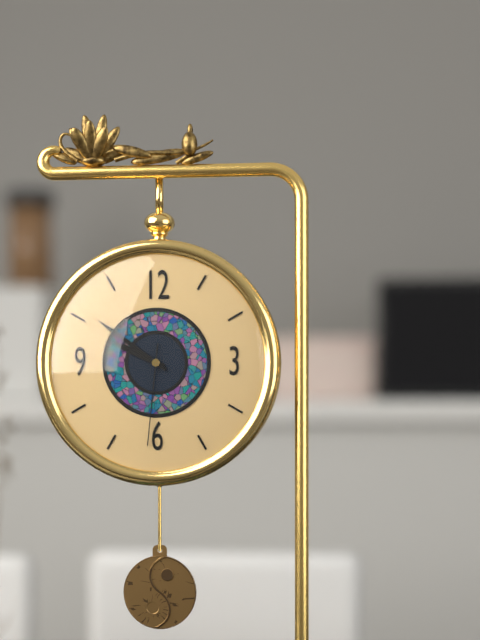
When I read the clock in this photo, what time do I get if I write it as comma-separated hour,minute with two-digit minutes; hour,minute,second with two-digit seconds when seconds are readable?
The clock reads 9,51,31
